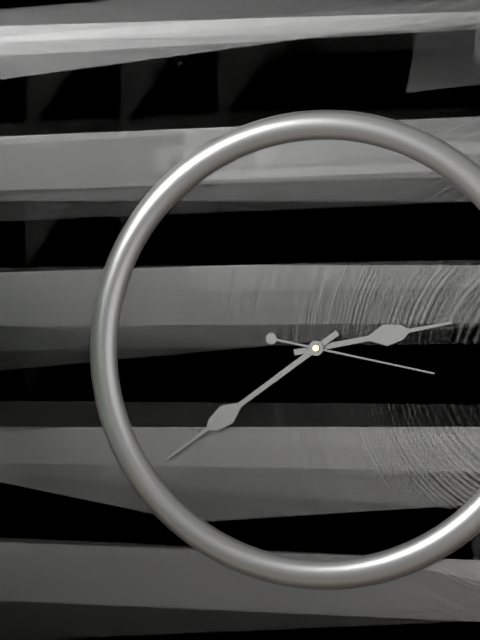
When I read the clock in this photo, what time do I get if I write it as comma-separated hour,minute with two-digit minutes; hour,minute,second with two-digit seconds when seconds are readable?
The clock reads 2,39,17
